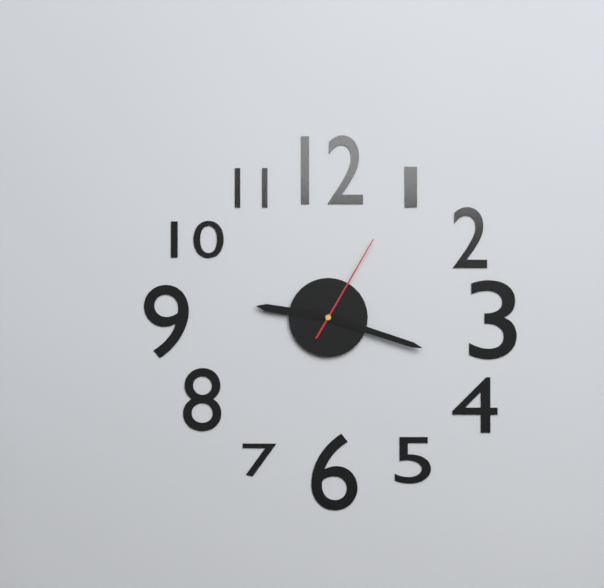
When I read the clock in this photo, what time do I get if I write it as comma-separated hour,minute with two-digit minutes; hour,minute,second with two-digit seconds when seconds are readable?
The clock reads 9,18,05
